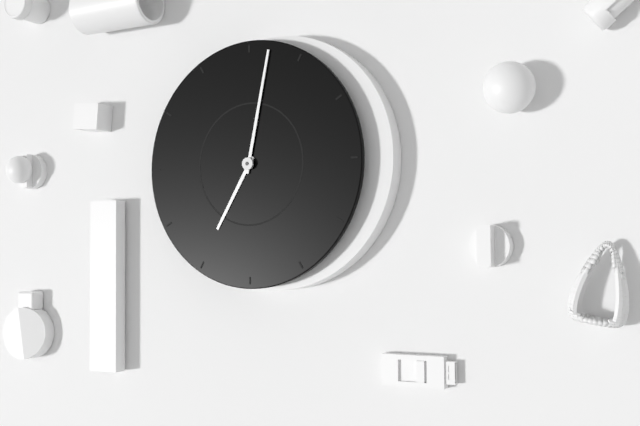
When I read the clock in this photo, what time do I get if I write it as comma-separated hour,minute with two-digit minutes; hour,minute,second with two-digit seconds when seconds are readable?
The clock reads 7,02
